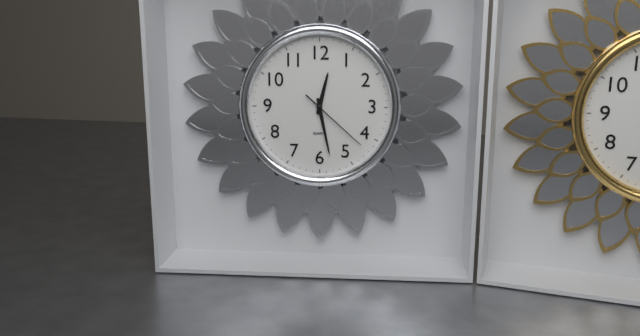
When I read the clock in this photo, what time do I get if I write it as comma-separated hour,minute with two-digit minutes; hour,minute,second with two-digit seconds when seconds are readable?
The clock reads 12,28,22
